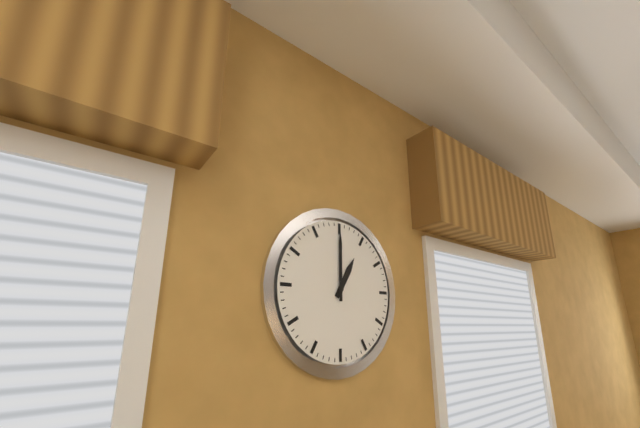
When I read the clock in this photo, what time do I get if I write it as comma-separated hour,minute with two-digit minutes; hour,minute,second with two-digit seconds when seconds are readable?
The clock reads 1,00
